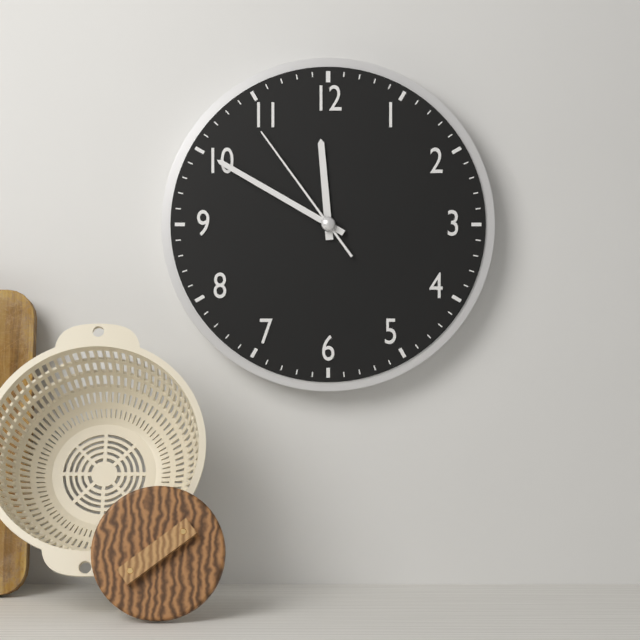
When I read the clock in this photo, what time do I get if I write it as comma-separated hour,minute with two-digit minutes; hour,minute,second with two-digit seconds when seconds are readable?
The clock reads 11,50,54
